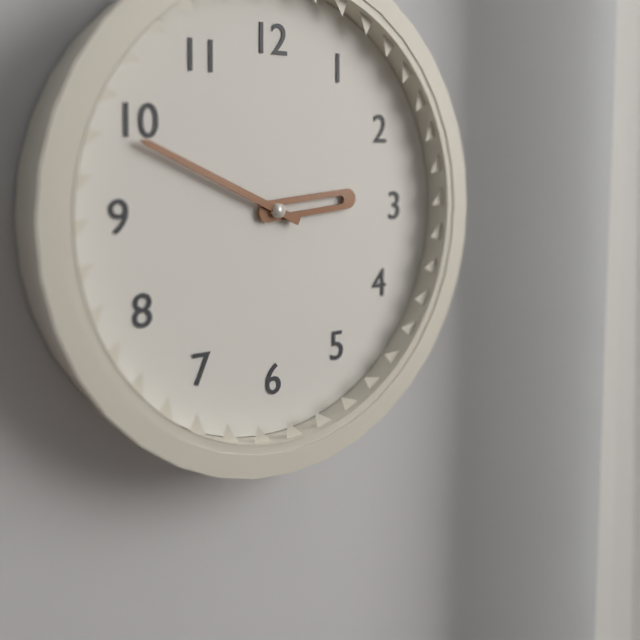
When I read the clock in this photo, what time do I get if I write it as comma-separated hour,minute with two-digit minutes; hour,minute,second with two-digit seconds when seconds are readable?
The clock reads 2,49
